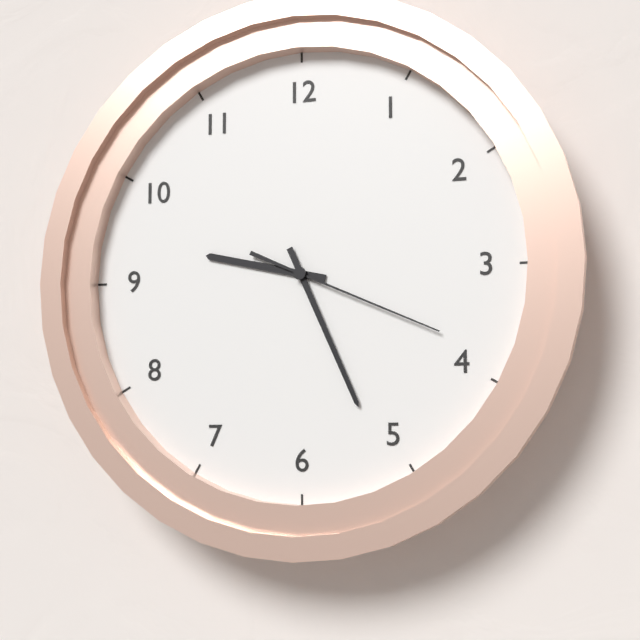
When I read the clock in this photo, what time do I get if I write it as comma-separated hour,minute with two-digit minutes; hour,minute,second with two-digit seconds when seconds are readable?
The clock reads 9,26,19
